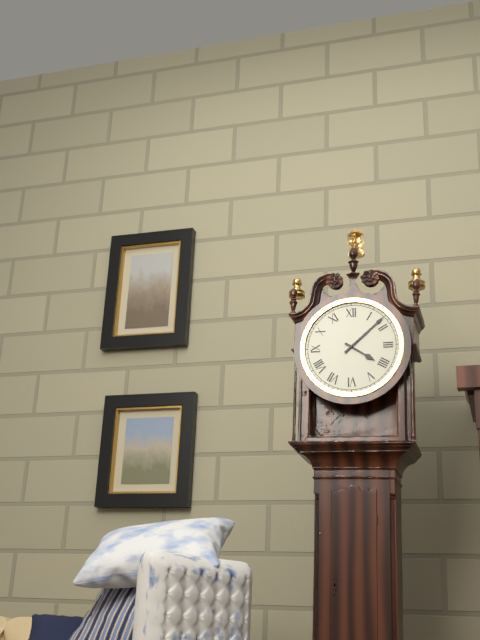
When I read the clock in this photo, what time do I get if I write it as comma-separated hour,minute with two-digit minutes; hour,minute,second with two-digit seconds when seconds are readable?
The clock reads 4,08
